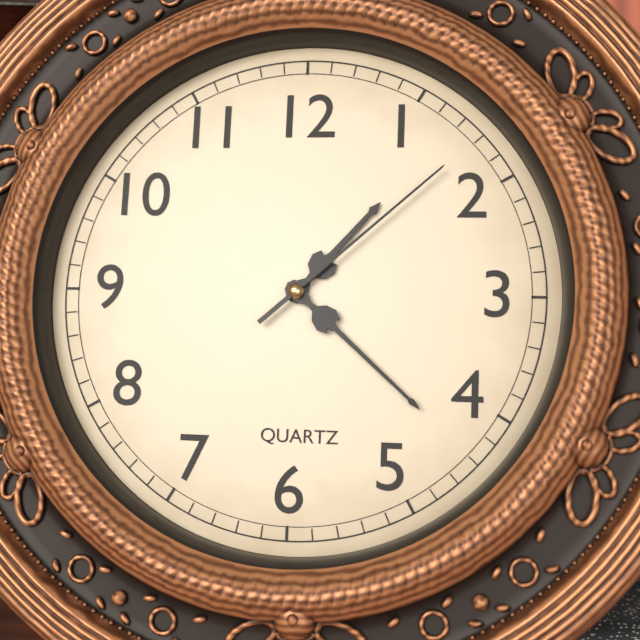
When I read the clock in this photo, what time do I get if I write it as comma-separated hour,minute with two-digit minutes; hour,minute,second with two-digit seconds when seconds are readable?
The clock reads 1,22,08
